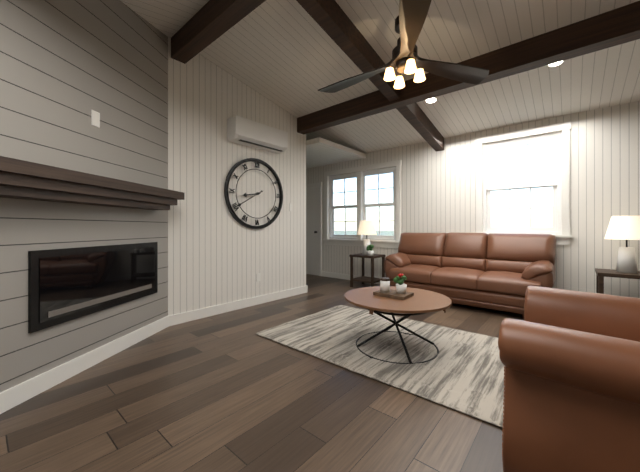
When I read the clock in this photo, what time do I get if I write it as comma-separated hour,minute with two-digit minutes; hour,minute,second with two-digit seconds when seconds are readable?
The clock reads 8,40
